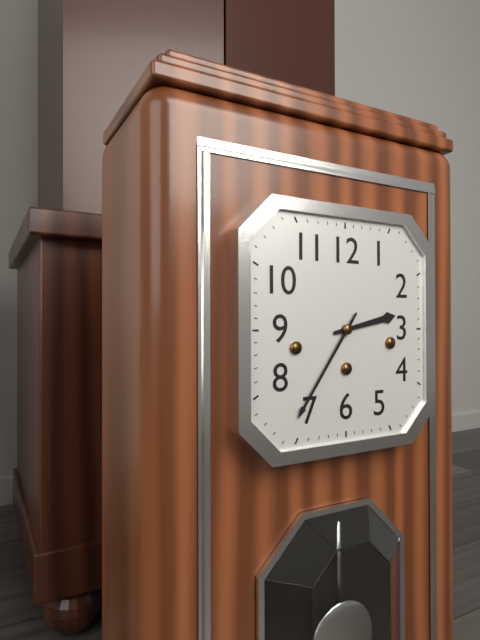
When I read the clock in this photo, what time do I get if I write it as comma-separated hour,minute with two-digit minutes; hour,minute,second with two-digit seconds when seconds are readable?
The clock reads 2,36
